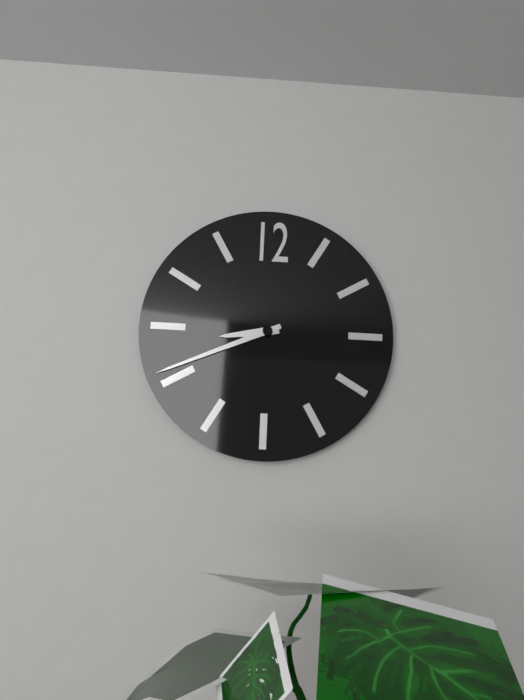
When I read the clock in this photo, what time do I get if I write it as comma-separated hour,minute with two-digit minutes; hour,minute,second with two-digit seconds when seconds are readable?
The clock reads 8,41
